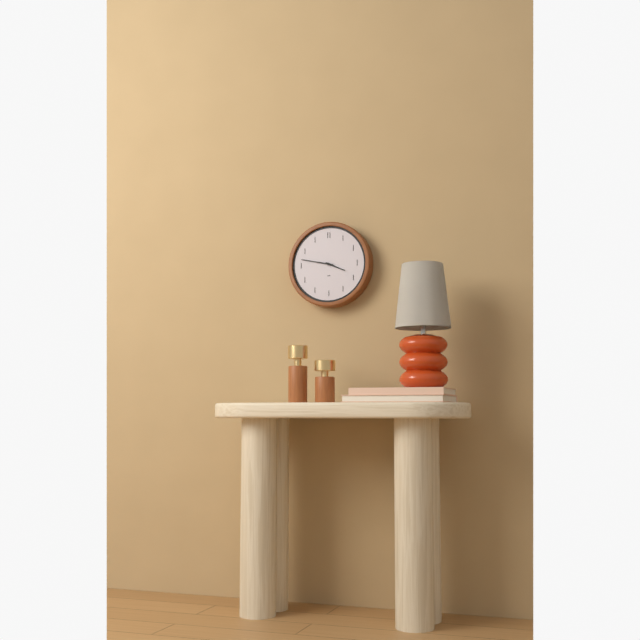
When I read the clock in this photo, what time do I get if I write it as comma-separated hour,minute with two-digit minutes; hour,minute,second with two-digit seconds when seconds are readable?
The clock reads 3,47
